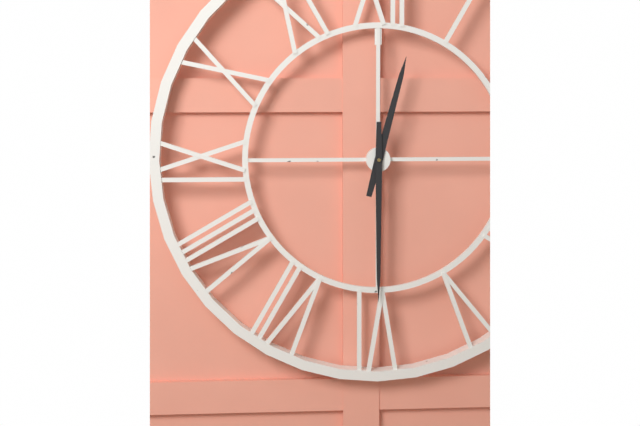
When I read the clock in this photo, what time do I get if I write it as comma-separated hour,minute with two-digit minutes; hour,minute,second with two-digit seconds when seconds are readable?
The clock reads 12,30
